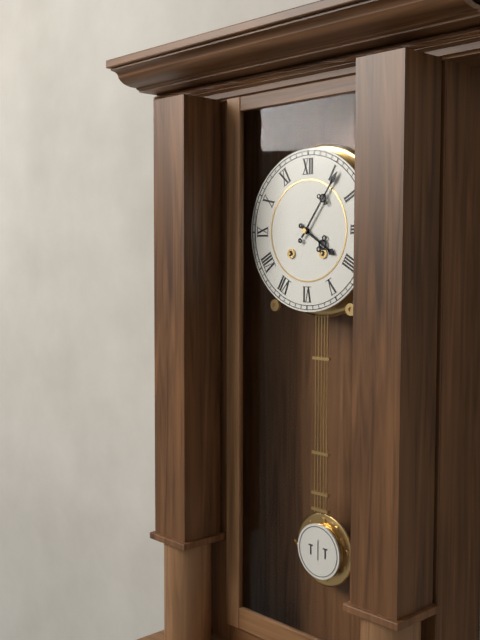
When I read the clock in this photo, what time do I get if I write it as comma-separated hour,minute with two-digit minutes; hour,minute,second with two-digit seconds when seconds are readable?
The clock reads 4,06
